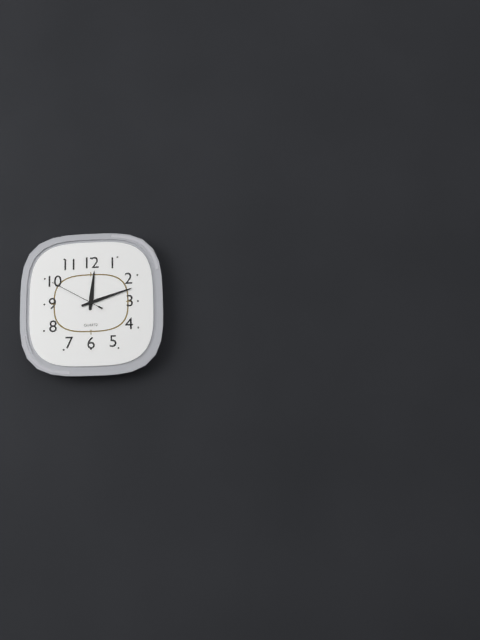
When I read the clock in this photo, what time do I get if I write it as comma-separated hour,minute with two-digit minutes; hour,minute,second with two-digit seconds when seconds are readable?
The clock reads 12,12,50
